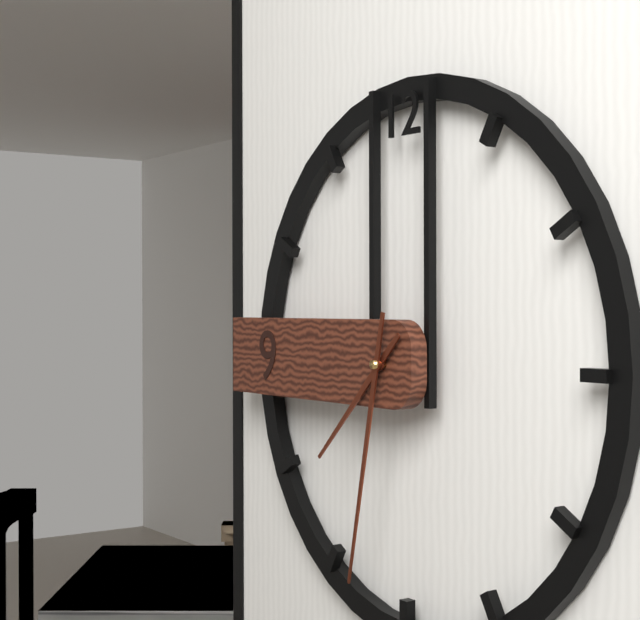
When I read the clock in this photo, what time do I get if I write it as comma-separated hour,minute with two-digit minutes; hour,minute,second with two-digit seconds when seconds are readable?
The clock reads 7,32
